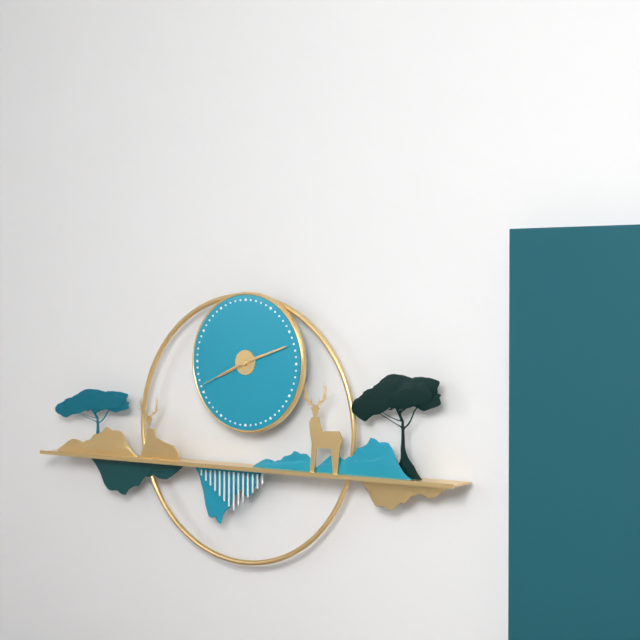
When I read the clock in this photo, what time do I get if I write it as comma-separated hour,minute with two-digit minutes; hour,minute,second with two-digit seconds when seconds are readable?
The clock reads 8,12,41
